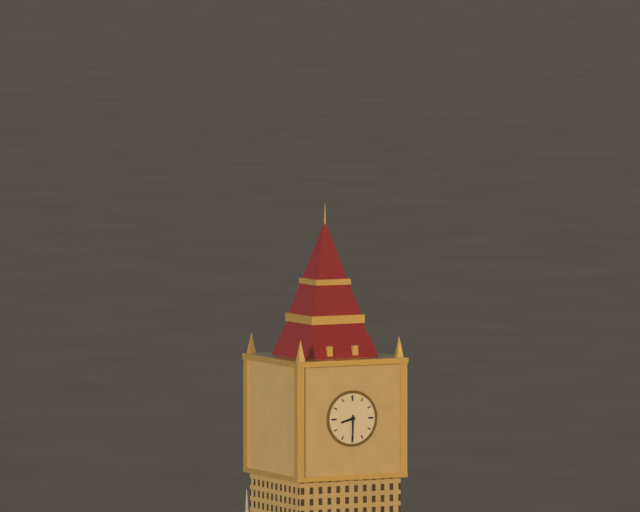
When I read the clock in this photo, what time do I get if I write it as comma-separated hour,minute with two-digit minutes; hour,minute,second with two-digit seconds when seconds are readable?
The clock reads 8,30
